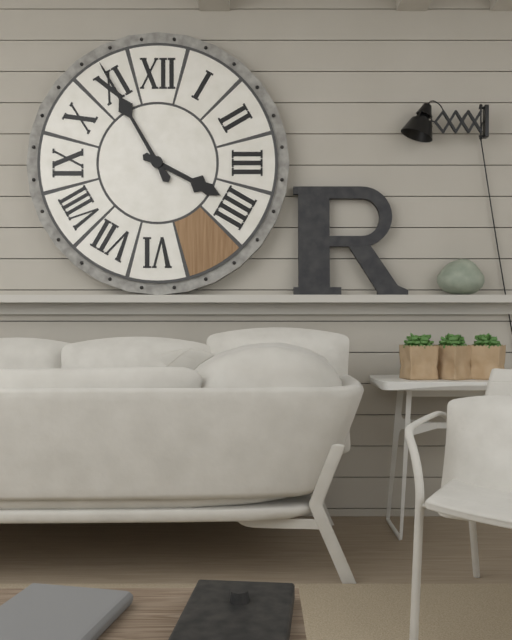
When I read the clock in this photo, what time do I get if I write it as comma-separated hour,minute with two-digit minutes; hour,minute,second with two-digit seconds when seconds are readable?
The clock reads 3,55
